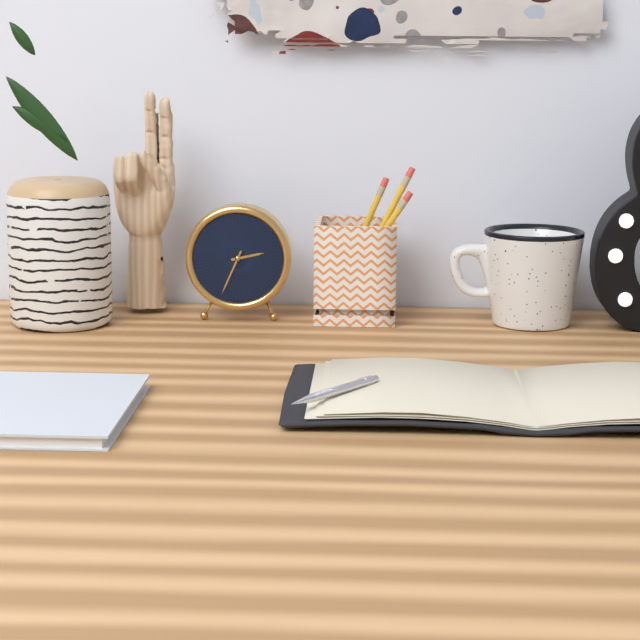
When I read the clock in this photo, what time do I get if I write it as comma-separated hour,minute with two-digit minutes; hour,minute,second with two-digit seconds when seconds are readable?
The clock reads 2,34
